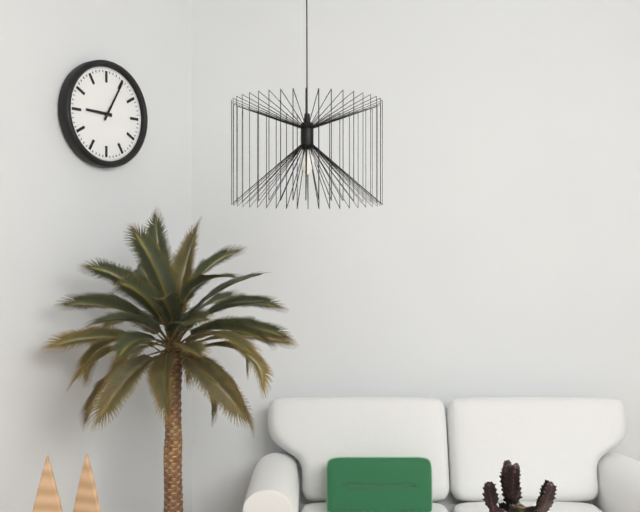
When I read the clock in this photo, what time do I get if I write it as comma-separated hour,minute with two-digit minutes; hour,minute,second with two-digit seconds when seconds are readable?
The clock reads 9,05
